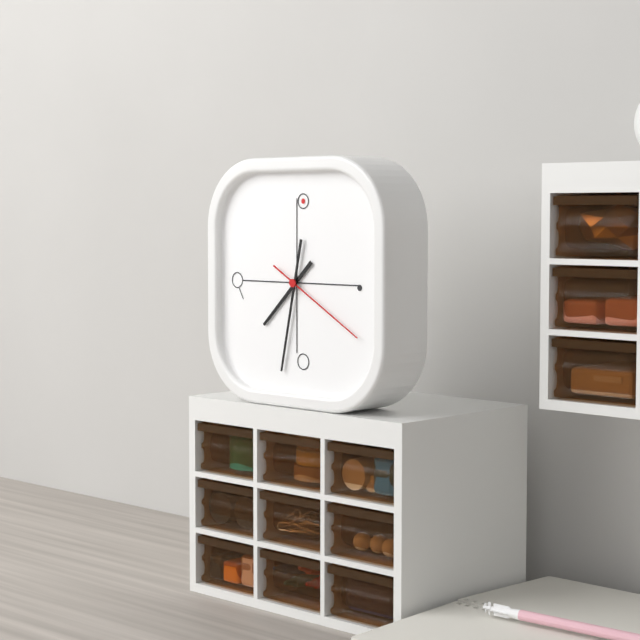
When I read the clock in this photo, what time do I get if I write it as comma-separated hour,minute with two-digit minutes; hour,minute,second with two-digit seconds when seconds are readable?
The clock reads 7,32,20
